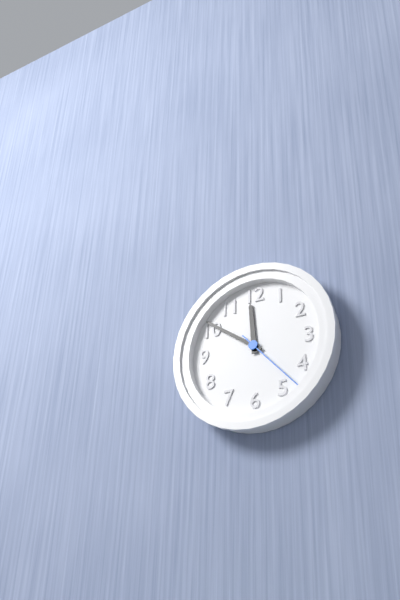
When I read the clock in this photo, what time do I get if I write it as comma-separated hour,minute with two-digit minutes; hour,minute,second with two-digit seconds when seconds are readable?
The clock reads 11,51,23
